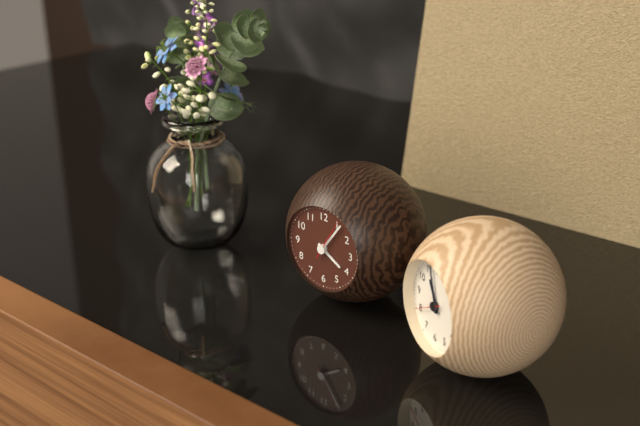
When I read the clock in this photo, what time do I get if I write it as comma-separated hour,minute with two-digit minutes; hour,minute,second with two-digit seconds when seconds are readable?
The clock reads 4,06
